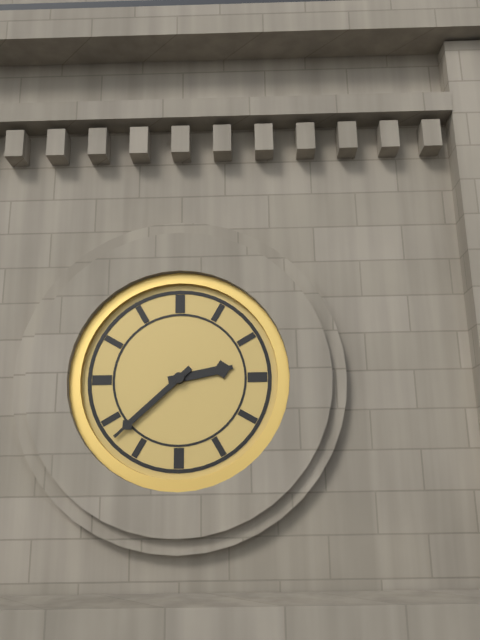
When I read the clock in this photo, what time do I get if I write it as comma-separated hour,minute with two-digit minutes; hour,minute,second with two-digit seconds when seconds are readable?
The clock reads 2,38
